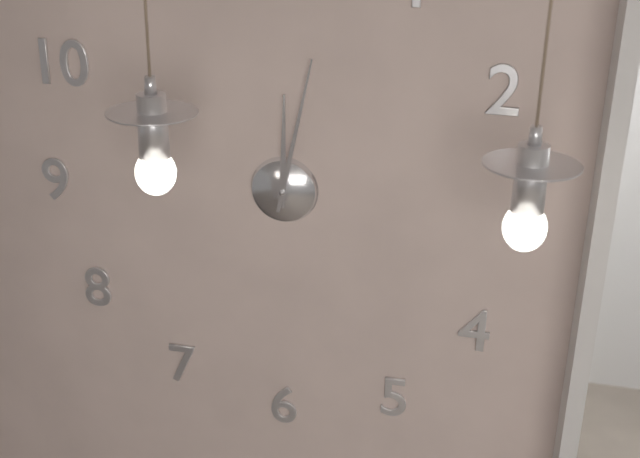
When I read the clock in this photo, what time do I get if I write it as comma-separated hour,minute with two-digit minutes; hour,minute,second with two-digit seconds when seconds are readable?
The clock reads 12,02
